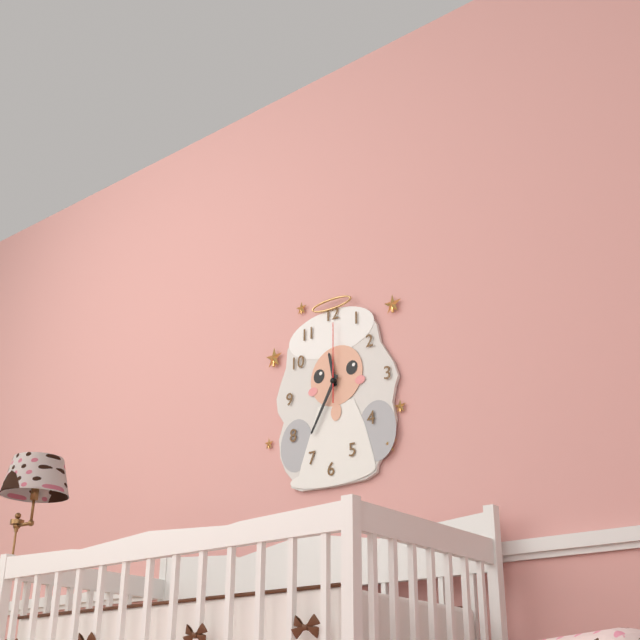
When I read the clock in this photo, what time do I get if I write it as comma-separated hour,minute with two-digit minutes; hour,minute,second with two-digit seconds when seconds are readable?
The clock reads 11,35,00
